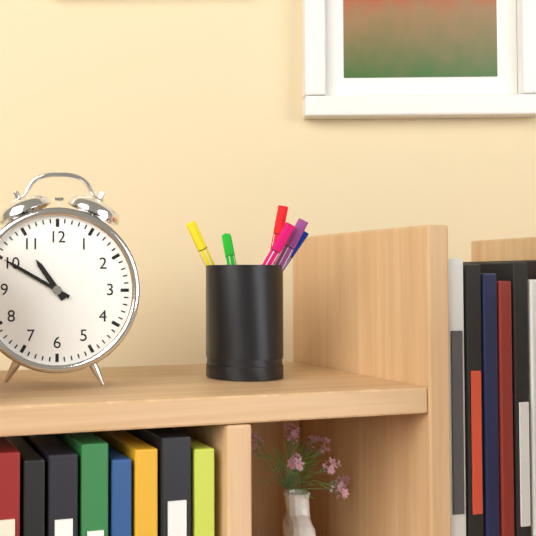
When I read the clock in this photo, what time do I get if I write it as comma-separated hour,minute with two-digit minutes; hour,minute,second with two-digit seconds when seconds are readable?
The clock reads 10,50
